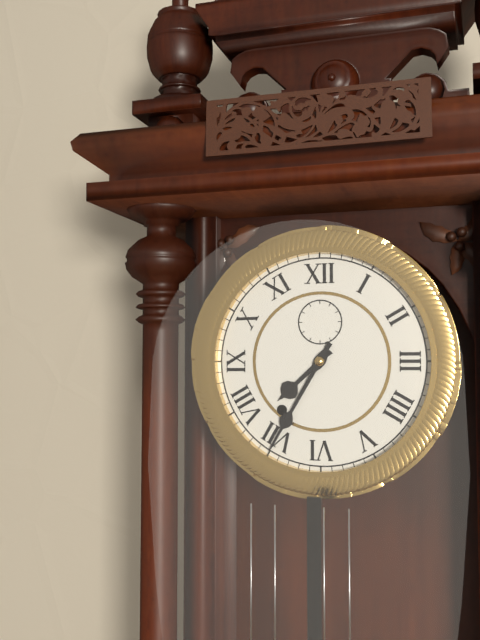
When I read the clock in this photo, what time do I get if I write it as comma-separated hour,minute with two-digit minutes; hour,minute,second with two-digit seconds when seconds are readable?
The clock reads 7,35
